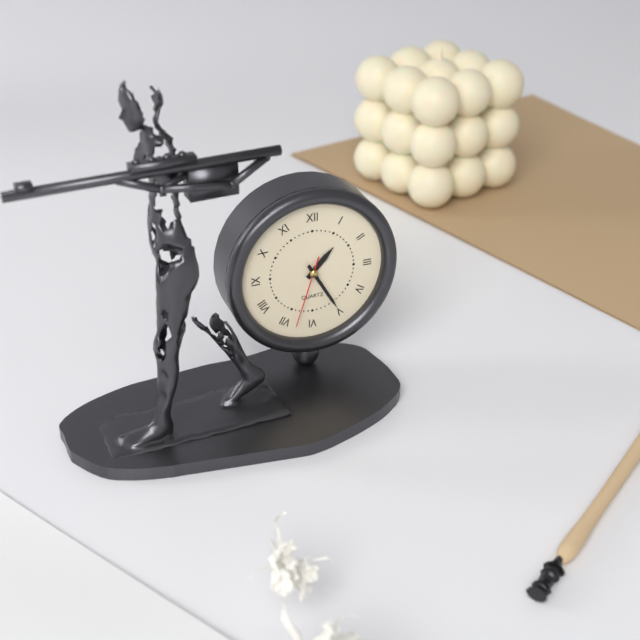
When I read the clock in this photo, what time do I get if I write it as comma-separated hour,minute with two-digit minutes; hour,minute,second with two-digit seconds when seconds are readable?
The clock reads 1,25,33
